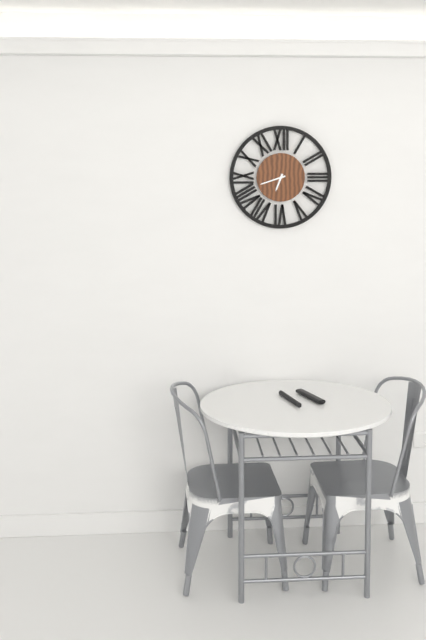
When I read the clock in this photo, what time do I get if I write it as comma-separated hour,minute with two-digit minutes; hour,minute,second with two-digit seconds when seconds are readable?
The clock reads 6,42
